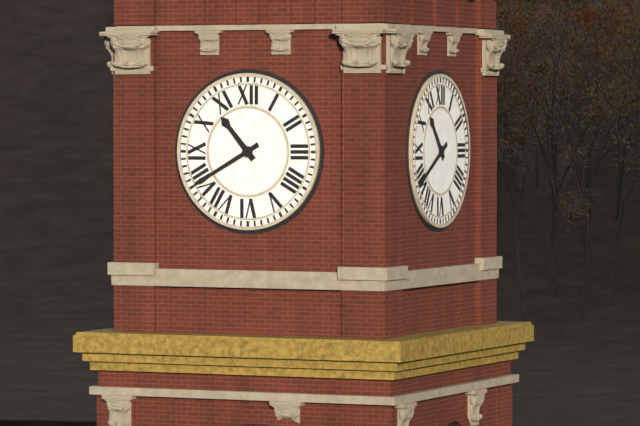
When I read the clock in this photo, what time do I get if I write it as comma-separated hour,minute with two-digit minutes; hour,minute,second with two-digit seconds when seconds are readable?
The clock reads 10,40
